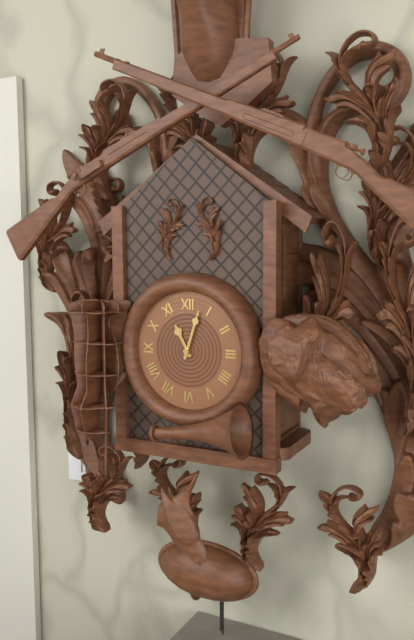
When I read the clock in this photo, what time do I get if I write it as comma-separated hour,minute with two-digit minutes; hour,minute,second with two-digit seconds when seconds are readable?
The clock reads 11,03
